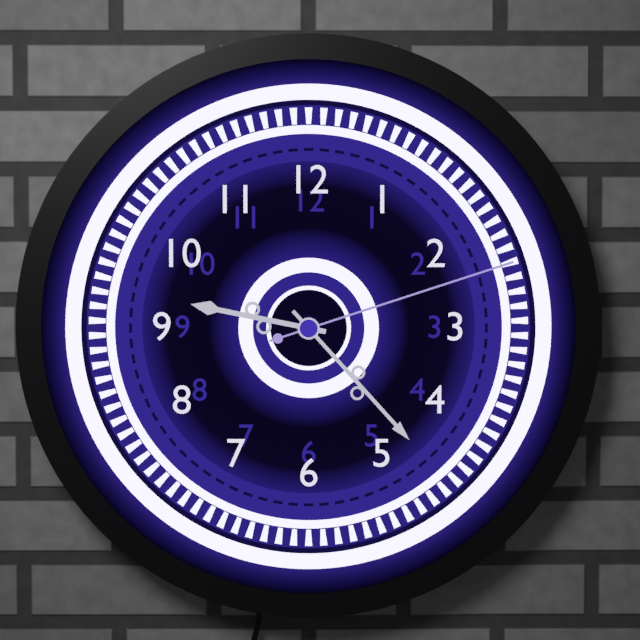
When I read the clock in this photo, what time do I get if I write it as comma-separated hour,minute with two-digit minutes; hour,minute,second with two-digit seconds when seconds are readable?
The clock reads 9,23,12
